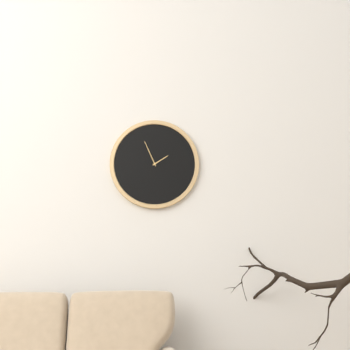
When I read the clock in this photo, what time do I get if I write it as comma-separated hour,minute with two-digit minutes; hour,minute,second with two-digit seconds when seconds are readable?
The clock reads 1,56
